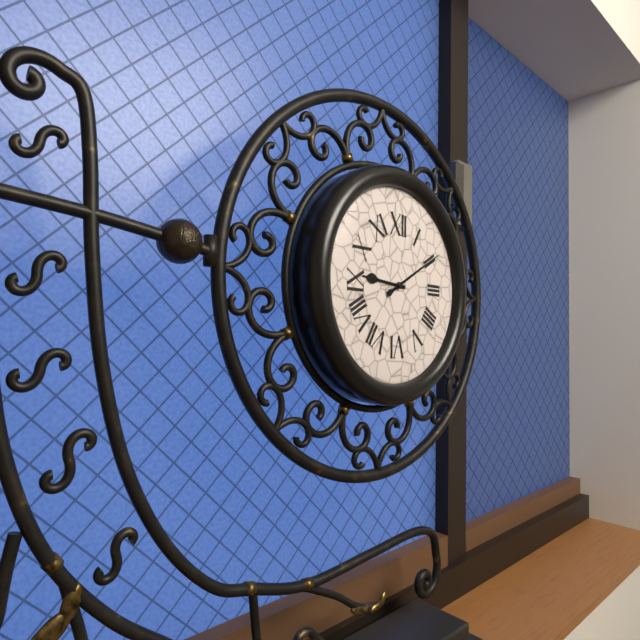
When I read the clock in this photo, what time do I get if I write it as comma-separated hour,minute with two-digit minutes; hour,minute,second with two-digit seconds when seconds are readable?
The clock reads 9,10
